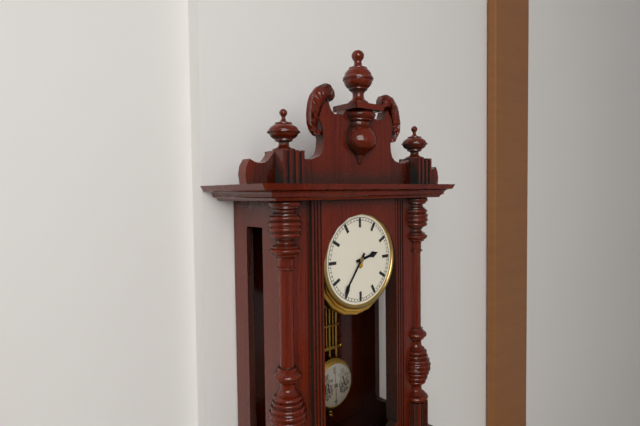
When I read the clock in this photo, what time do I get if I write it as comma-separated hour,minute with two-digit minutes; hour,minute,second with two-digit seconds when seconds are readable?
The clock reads 2,36
